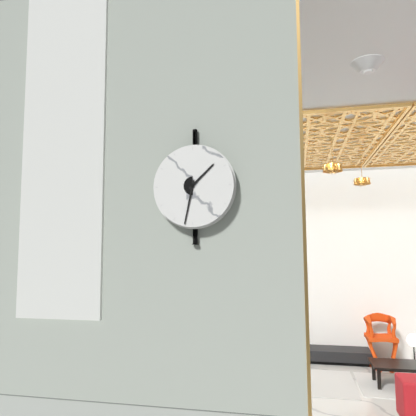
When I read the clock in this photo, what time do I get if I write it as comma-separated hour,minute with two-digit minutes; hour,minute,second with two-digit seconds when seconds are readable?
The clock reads 1,32
